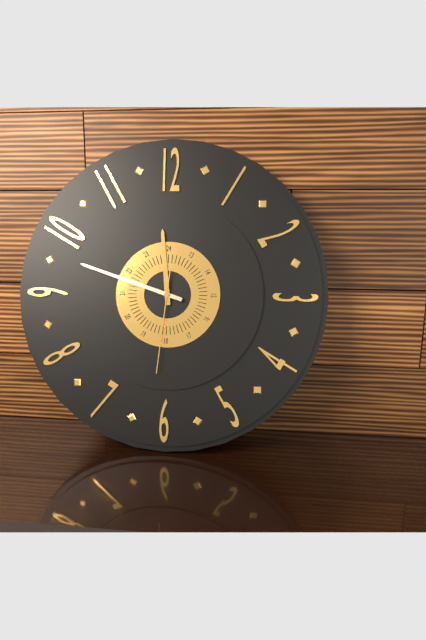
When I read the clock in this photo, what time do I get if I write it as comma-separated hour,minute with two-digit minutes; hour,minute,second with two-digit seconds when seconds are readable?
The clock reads 11,48,31
